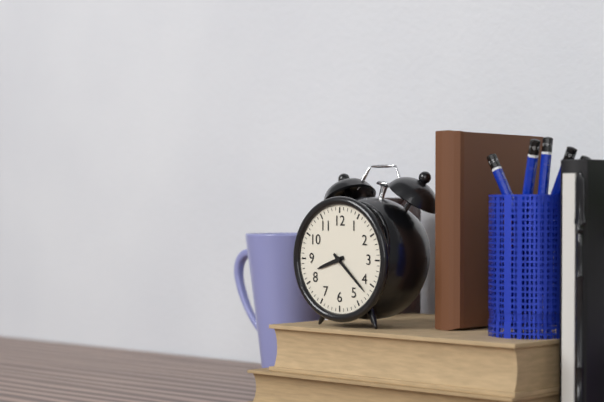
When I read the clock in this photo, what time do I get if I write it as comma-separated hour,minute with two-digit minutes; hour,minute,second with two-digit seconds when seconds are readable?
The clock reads 8,22
